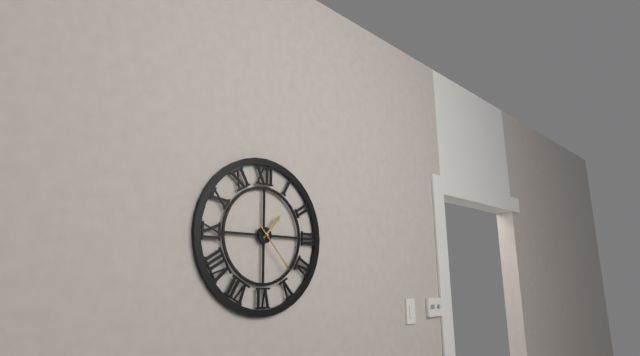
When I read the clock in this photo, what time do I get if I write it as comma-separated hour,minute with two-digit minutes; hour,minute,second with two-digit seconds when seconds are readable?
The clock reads 1,23
